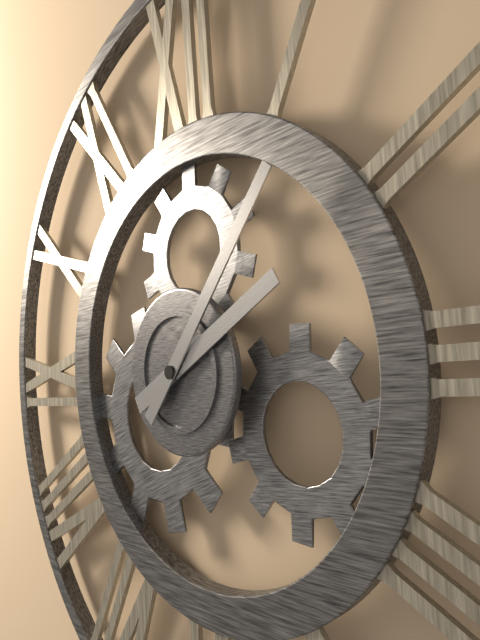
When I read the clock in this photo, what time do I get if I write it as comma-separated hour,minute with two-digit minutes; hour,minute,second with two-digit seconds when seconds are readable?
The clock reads 2,07
